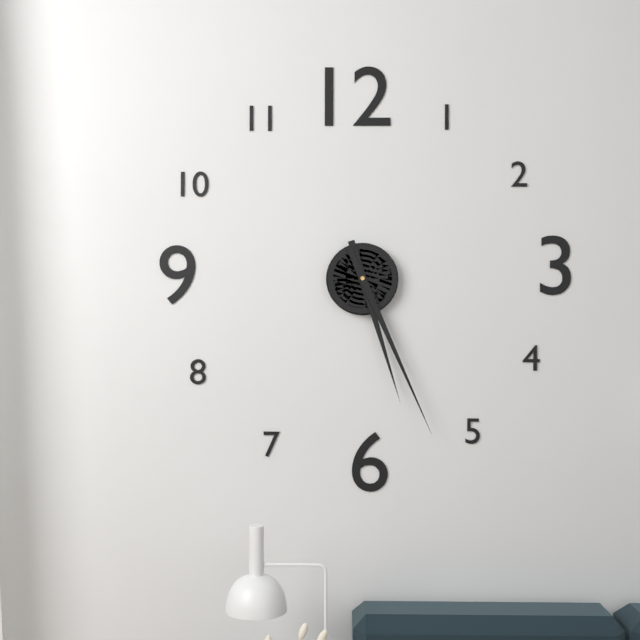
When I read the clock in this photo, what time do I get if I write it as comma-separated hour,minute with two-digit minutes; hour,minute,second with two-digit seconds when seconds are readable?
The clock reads 5,26
